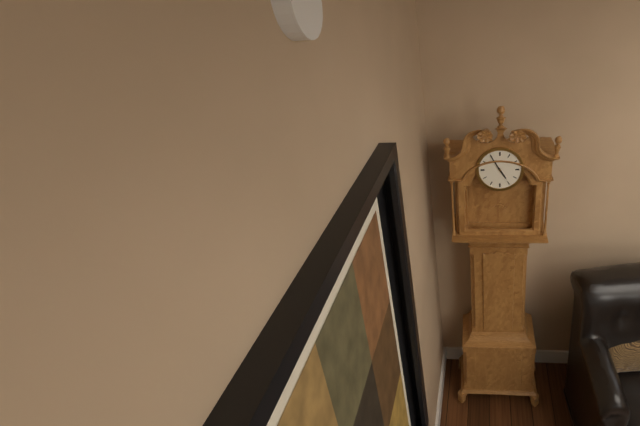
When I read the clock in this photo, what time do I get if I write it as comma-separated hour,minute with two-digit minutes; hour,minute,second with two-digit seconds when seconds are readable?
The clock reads 4,55
